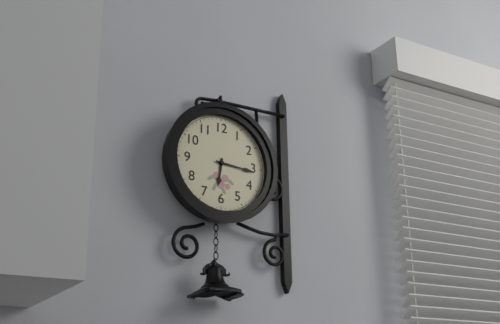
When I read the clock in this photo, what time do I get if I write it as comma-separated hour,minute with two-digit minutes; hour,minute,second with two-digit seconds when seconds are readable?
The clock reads 6,16
